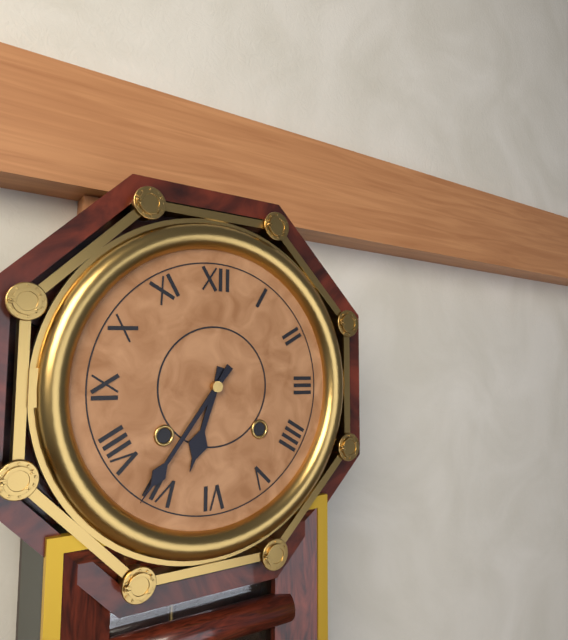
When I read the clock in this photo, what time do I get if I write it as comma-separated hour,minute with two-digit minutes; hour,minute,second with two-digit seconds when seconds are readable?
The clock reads 6,36
